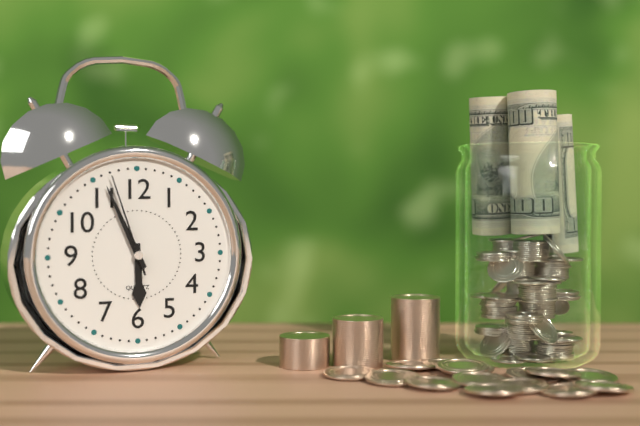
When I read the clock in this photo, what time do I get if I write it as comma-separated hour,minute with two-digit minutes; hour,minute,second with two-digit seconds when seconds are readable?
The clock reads 5,56,57
